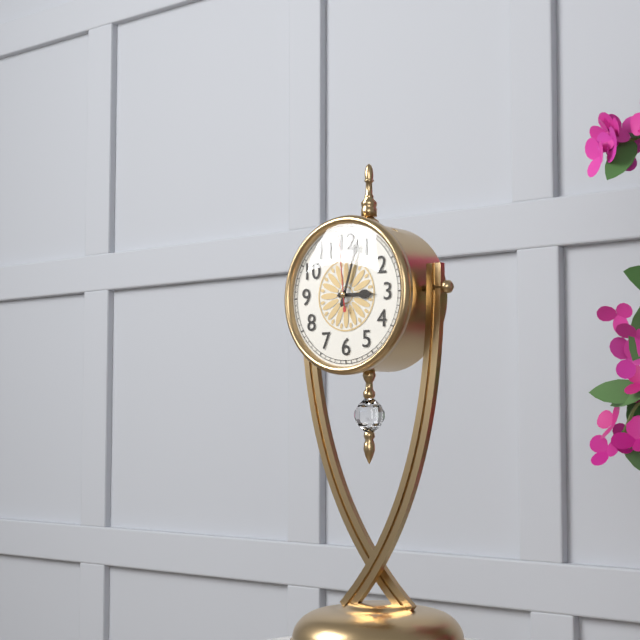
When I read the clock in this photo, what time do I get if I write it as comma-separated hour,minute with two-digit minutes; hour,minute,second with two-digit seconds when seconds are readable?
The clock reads 3,03,59
